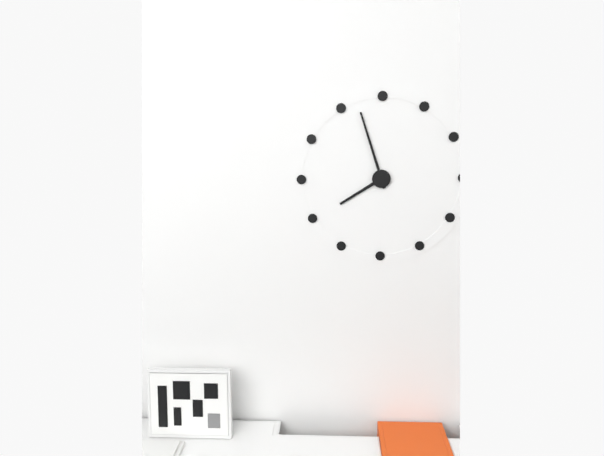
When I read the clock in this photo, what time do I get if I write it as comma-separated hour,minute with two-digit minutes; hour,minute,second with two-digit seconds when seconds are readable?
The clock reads 7,57
